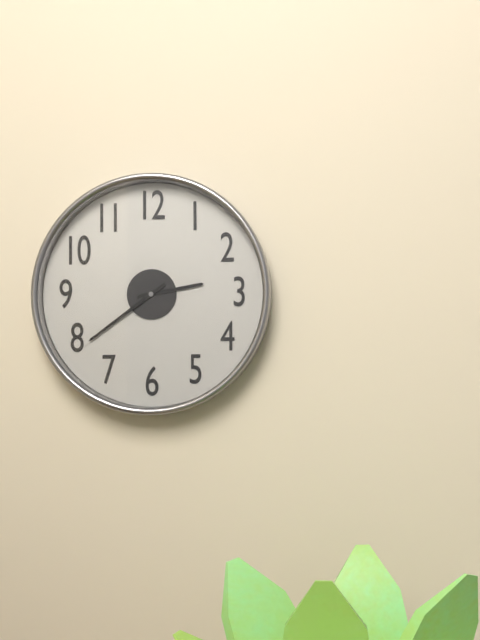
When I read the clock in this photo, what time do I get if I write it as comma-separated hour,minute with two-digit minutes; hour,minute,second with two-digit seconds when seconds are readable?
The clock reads 2,39
